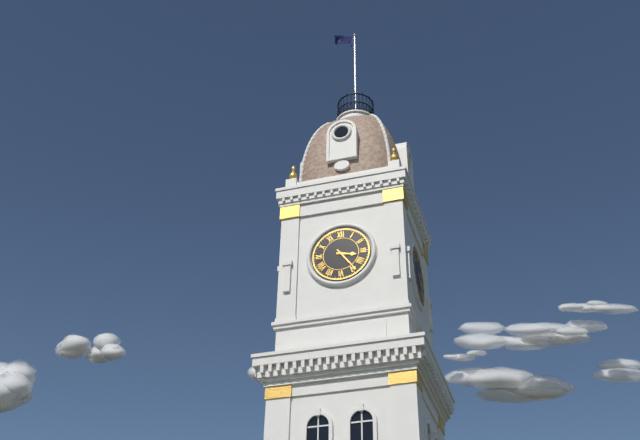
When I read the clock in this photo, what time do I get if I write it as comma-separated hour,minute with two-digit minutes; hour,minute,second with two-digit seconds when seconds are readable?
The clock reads 3,24
